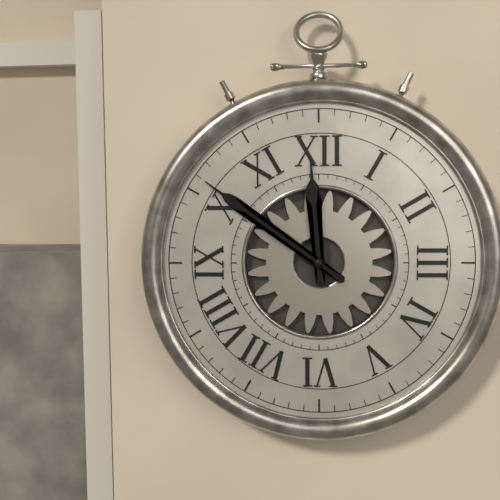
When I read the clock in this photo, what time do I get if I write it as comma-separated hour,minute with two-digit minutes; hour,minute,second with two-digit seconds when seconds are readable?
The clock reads 11,51
